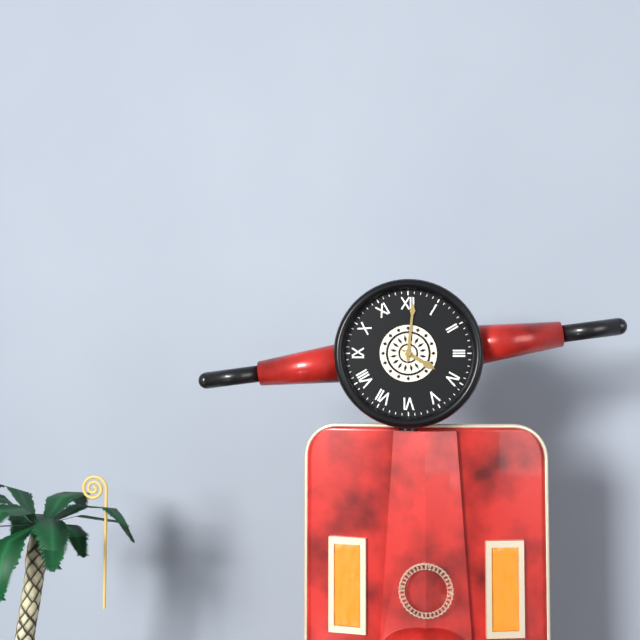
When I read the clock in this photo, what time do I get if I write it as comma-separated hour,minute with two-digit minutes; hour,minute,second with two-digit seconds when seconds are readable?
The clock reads 4,01
